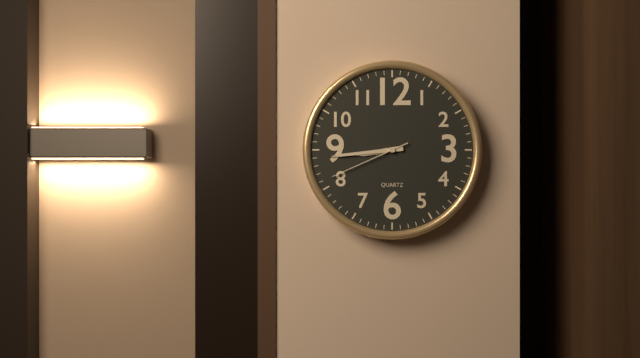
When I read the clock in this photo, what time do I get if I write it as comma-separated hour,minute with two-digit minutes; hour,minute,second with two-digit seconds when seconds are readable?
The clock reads 8,44,41
